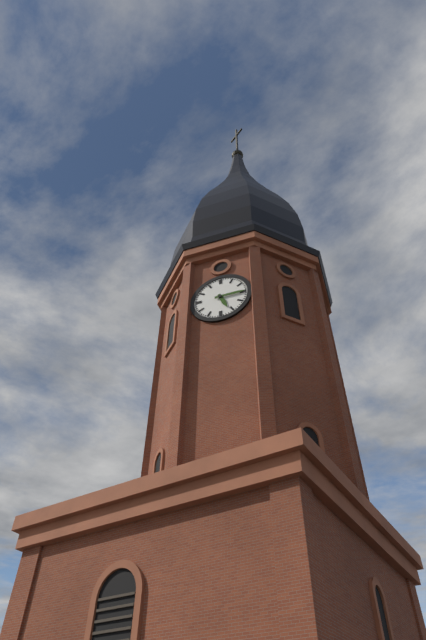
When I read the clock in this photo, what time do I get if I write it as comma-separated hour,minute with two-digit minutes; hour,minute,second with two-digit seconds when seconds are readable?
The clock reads 5,15
